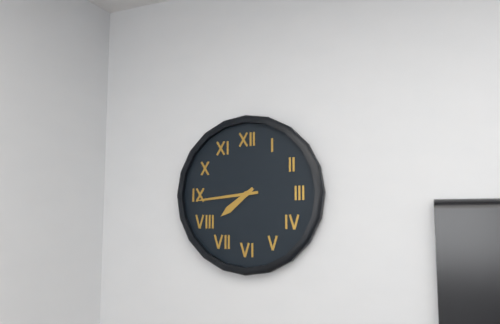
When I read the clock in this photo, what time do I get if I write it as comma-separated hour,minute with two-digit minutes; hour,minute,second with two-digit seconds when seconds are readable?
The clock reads 7,44
